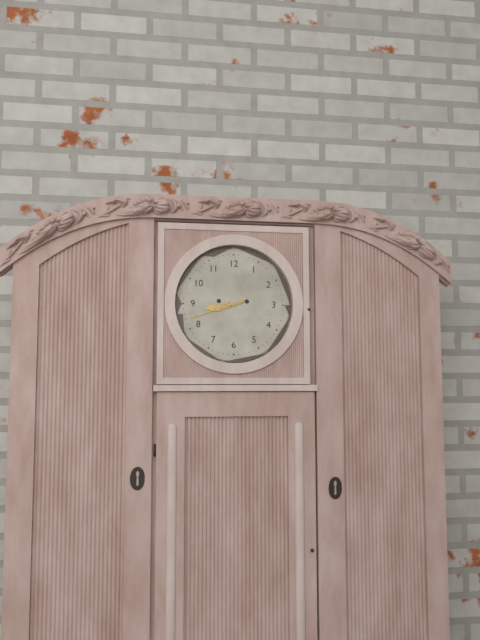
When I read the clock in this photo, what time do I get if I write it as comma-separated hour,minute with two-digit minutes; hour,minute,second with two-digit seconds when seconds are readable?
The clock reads 8,42
